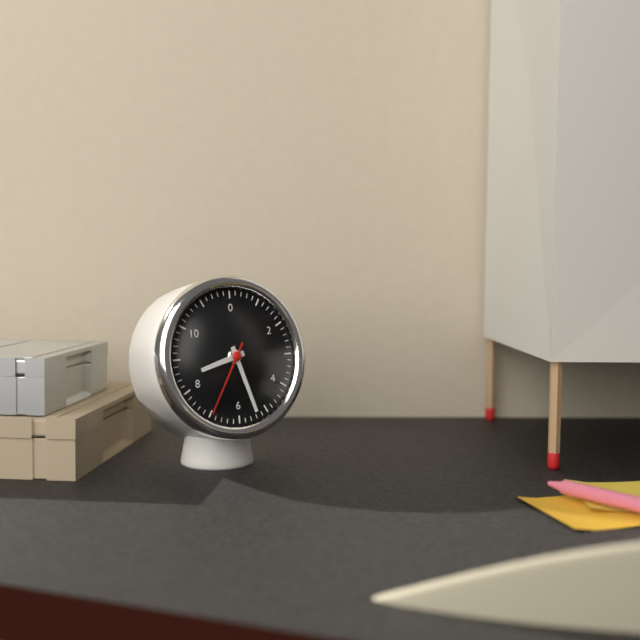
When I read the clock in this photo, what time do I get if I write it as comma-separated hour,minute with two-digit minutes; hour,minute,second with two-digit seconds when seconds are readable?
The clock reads 8,27,35
